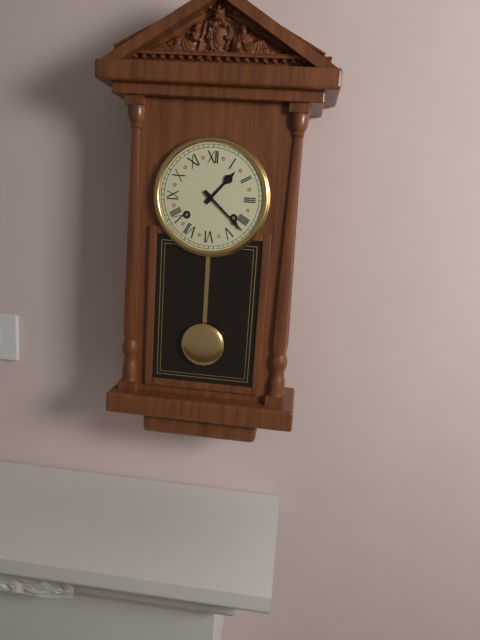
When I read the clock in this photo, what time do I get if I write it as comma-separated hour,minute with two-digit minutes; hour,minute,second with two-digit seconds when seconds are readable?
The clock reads 1,22
